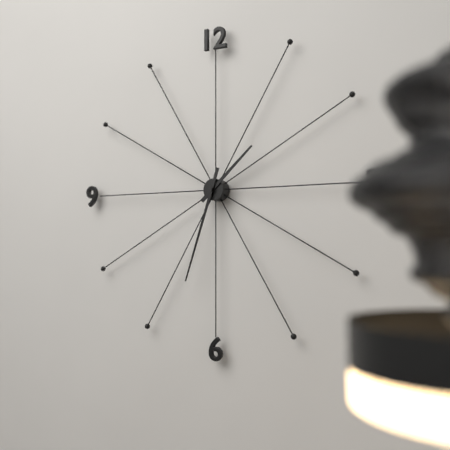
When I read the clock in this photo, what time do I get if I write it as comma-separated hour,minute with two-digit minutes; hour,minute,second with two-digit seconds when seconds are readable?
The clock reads 1,33
